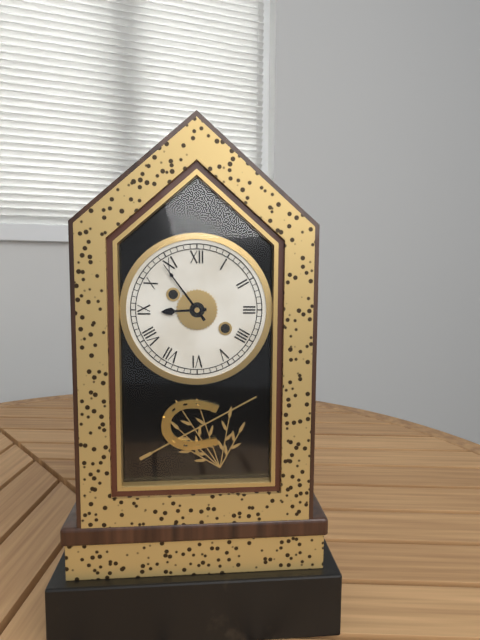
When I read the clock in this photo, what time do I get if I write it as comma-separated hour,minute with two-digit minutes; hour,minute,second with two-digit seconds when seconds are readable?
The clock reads 8,54
